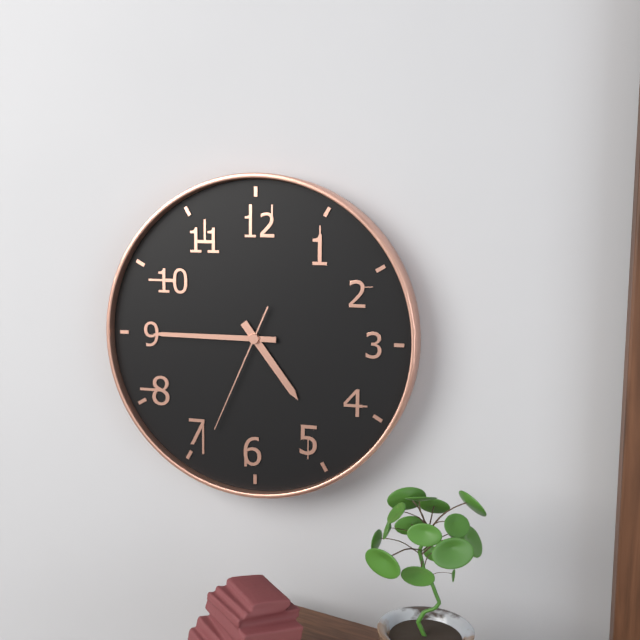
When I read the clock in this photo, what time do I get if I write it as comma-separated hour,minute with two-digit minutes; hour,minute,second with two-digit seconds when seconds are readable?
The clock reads 4,45,34
